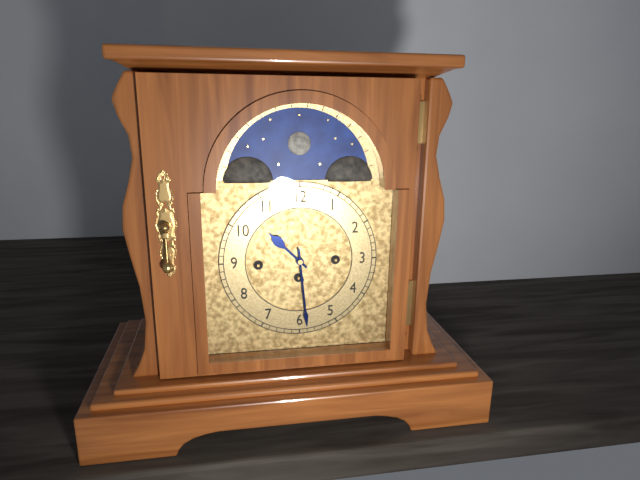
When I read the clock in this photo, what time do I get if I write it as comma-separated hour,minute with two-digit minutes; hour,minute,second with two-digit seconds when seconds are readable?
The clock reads 10,29
